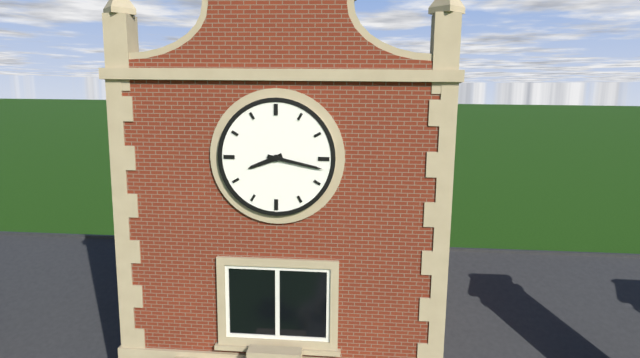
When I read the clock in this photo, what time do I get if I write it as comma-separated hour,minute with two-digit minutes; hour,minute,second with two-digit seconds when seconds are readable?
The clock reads 8,17
